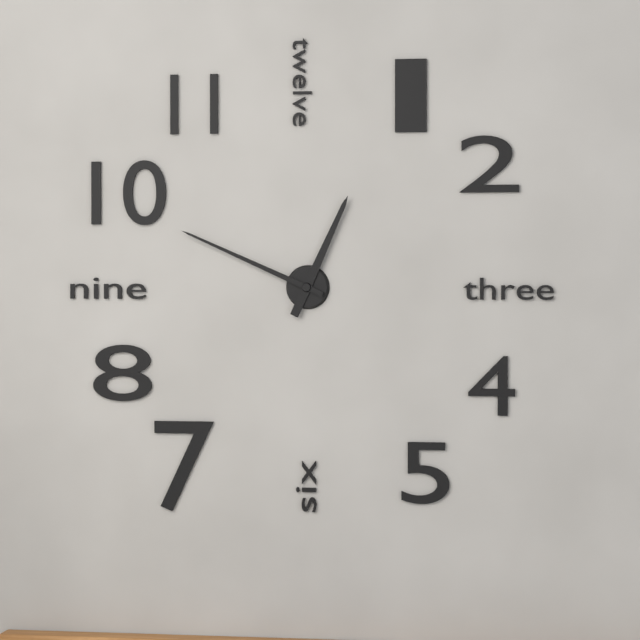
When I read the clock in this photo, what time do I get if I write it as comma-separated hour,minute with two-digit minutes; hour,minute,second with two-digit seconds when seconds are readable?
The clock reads 12,49
